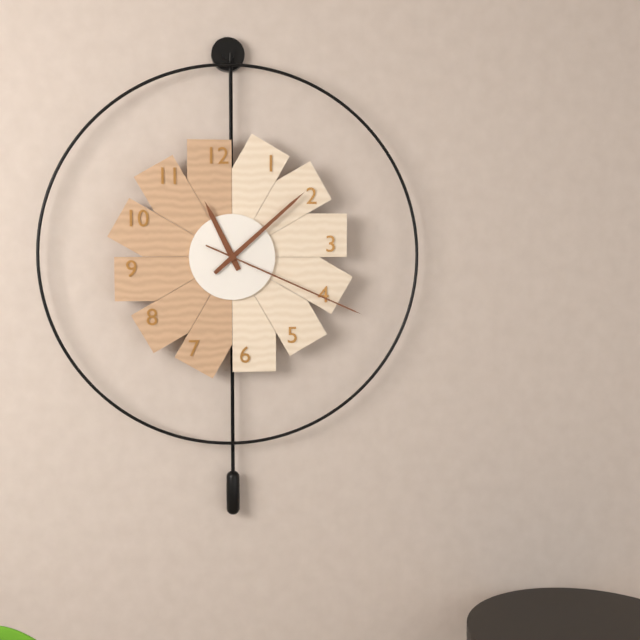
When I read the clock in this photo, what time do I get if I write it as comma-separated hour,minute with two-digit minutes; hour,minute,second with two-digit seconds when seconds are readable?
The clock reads 11,08,19
